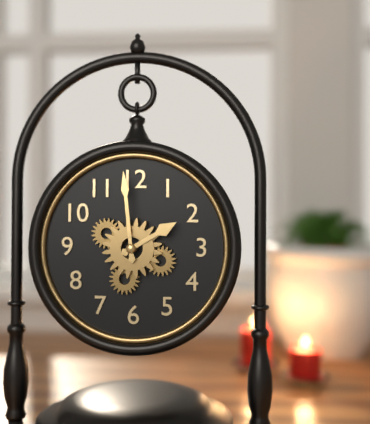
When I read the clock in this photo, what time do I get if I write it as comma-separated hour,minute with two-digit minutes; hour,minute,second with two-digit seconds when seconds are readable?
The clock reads 1,59
